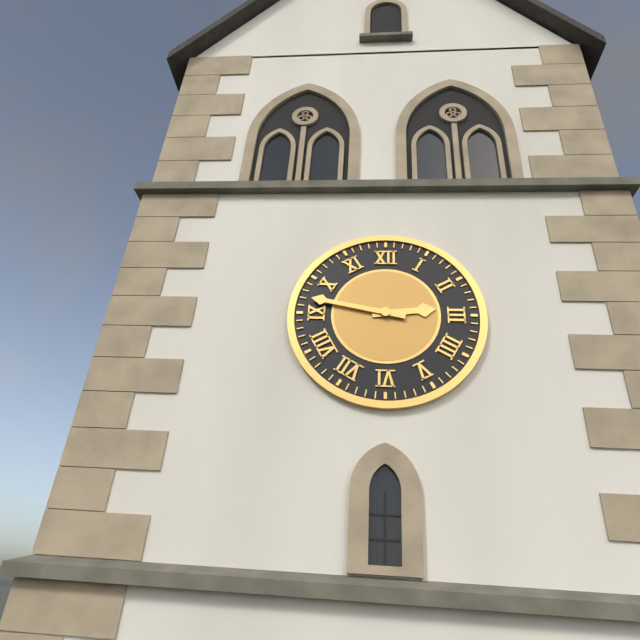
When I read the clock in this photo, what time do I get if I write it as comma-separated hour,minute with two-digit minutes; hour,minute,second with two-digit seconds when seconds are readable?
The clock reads 2,47
